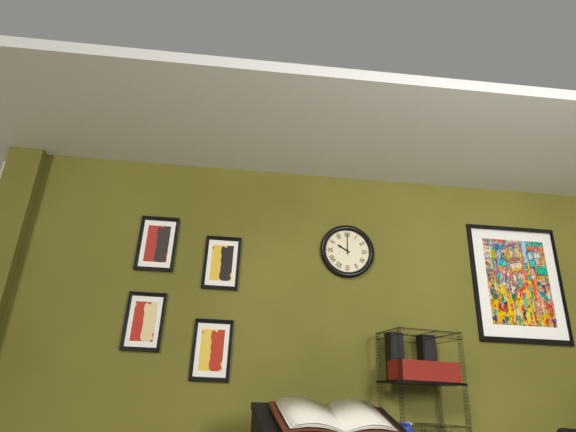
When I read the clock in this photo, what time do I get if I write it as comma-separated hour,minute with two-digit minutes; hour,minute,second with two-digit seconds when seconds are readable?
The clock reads 10,00
